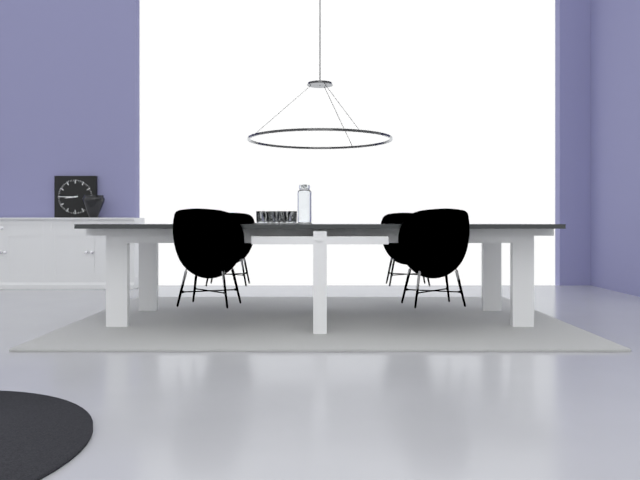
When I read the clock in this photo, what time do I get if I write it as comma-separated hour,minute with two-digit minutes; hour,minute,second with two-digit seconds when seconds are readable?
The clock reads 8,45
